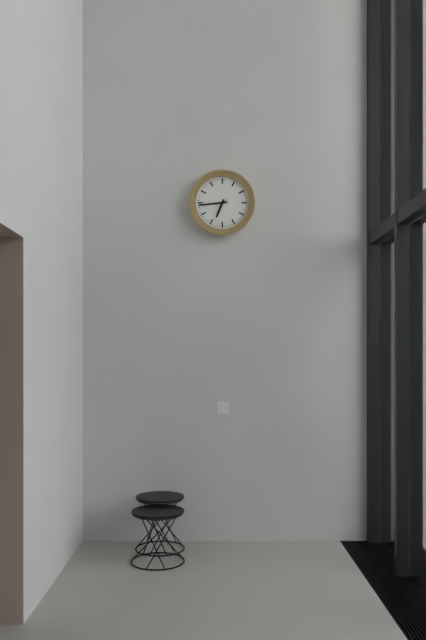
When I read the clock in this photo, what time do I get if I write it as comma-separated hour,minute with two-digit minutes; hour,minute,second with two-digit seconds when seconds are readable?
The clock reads 6,44
